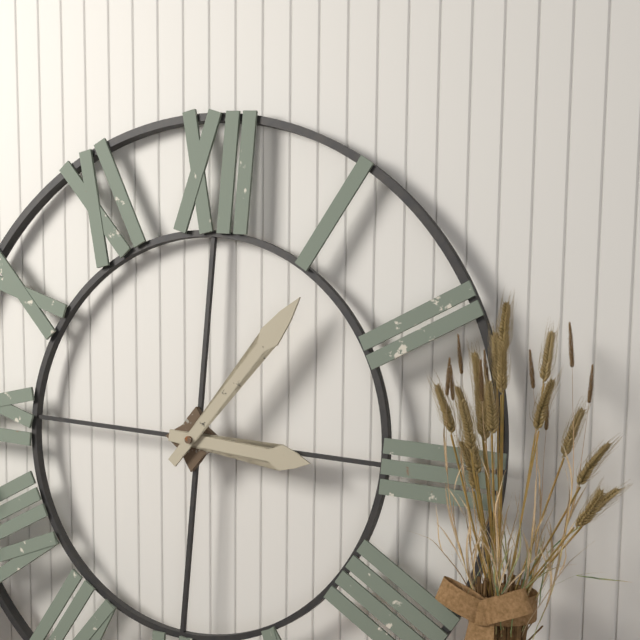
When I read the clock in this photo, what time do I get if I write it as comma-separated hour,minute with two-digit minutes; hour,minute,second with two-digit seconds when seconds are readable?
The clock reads 3,06
